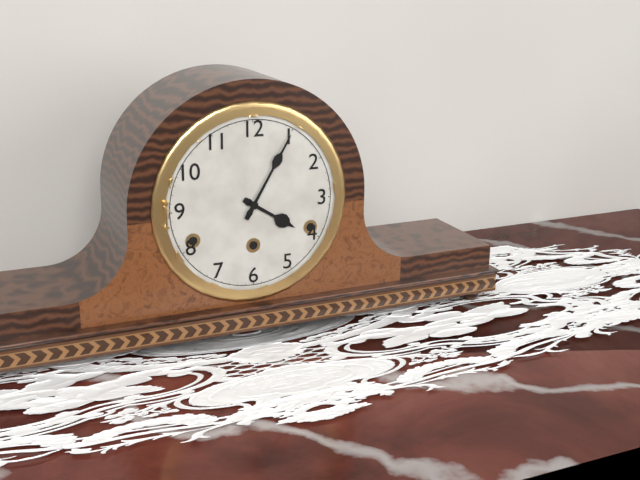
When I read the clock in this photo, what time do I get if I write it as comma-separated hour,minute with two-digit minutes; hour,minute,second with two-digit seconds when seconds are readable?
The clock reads 4,05
